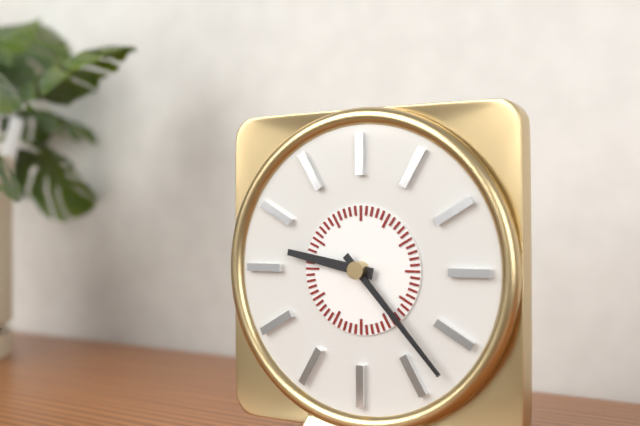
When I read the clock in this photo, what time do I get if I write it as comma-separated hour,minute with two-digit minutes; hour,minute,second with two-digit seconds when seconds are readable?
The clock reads 9,23
